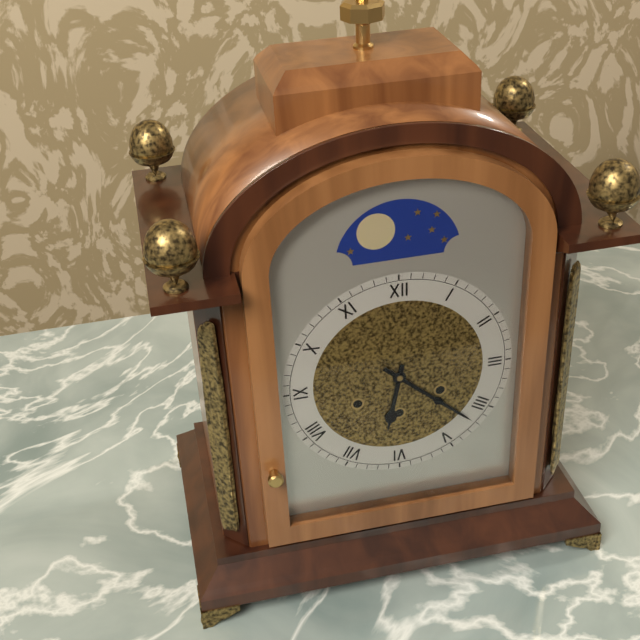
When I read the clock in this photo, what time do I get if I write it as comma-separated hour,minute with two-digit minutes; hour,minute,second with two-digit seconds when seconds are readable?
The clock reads 6,22
